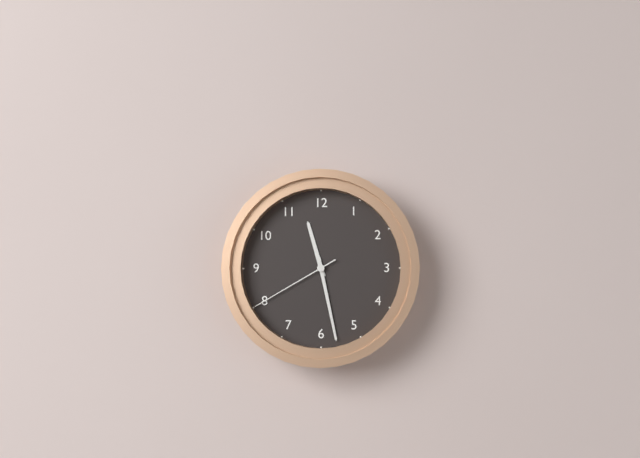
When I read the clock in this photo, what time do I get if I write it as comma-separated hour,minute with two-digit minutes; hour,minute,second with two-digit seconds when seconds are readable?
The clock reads 11,28,40
